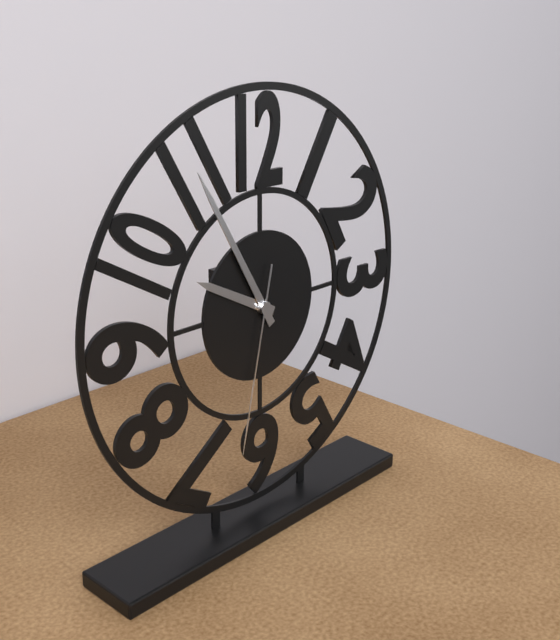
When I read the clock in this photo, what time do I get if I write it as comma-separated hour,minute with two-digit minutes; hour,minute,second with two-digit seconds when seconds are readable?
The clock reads 9,55,32
